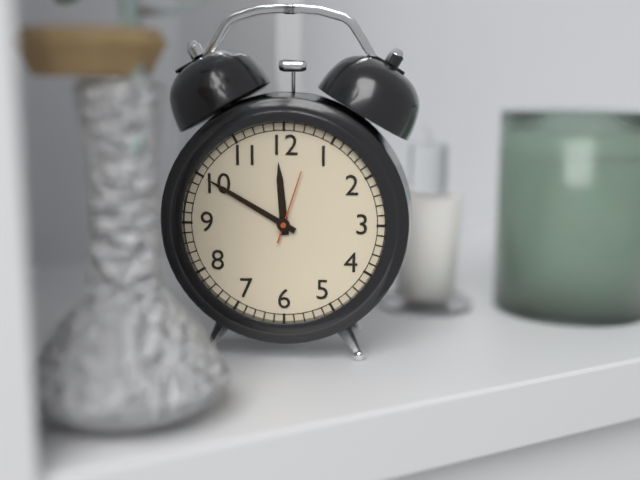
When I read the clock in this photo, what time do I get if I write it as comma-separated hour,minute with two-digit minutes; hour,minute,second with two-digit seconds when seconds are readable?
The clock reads 11,50,03
